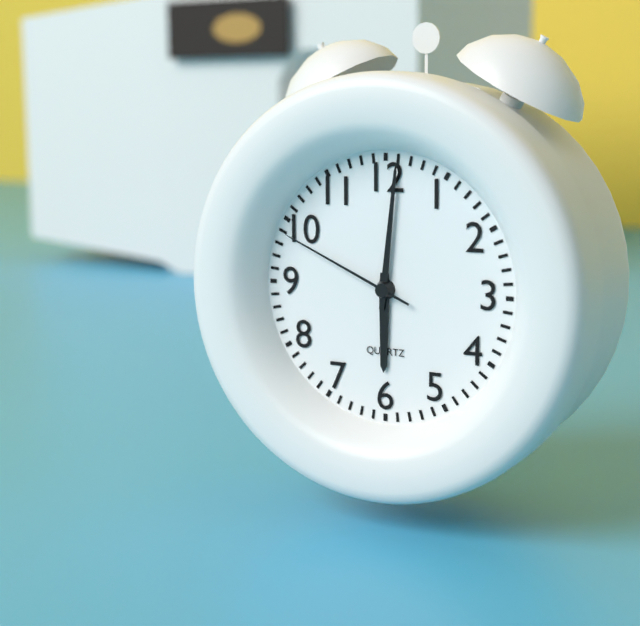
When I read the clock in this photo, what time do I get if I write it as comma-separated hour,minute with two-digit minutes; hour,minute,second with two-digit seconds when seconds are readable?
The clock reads 6,01,49
